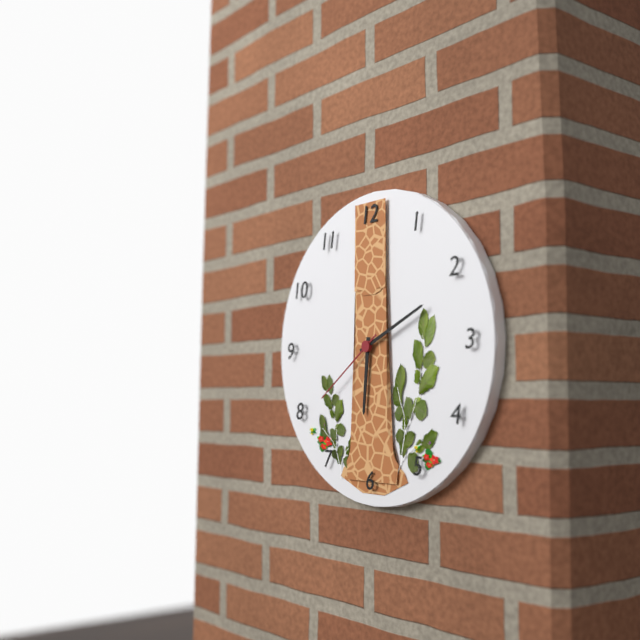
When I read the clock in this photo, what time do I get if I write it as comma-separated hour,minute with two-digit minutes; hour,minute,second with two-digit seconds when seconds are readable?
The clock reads 6,11,39
